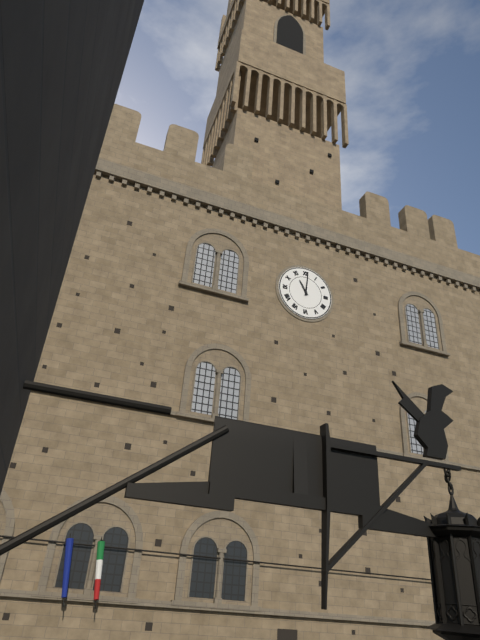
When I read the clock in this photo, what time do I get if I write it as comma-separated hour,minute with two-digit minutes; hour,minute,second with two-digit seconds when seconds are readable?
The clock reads 11,01
